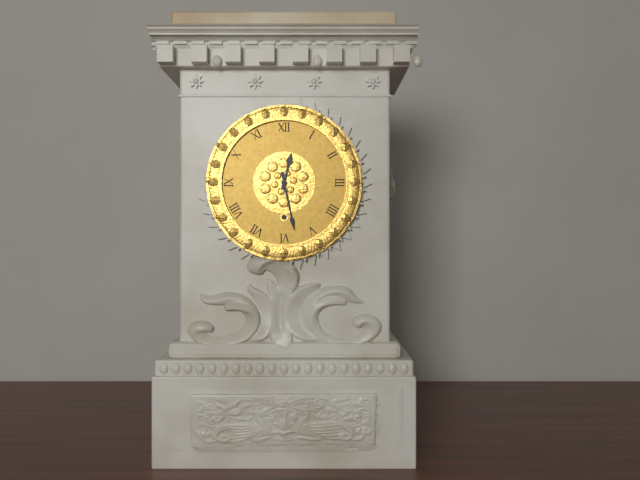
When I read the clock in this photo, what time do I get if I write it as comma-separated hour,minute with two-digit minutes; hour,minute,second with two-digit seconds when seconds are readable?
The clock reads 12,28
